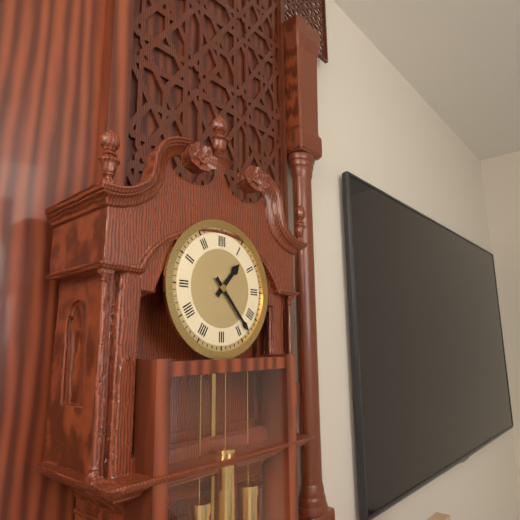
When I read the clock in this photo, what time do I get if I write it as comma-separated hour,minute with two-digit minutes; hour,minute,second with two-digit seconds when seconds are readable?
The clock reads 1,23
